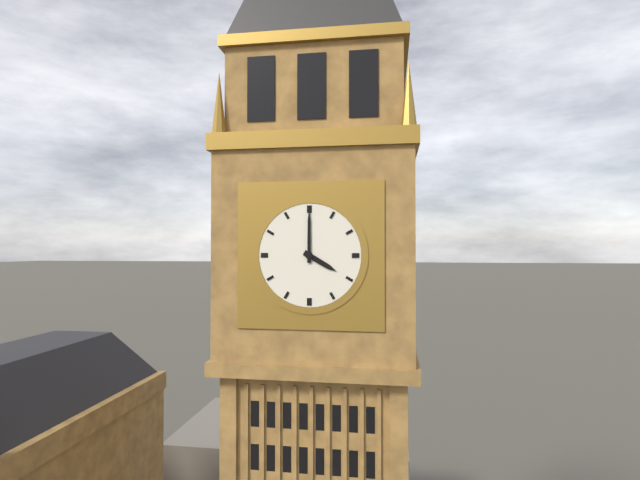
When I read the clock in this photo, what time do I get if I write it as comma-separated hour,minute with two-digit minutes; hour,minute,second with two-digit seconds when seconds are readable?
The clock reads 4,00
